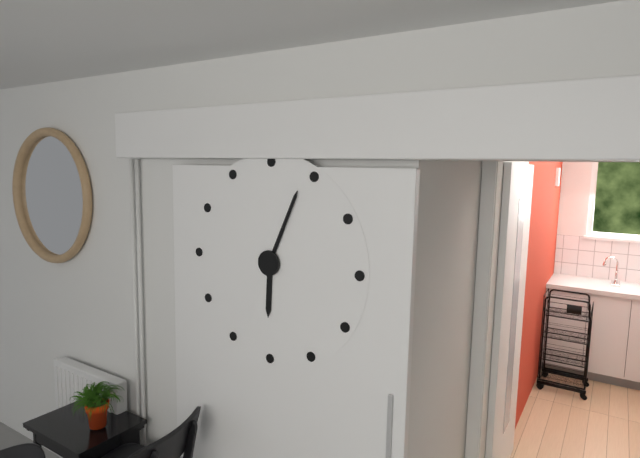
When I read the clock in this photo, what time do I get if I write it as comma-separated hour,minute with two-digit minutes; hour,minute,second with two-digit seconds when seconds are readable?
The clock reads 6,04
